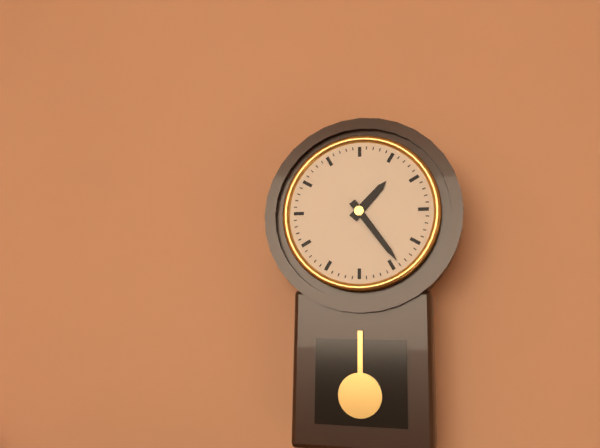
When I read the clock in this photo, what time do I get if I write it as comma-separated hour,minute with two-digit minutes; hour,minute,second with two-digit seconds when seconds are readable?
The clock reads 1,24
